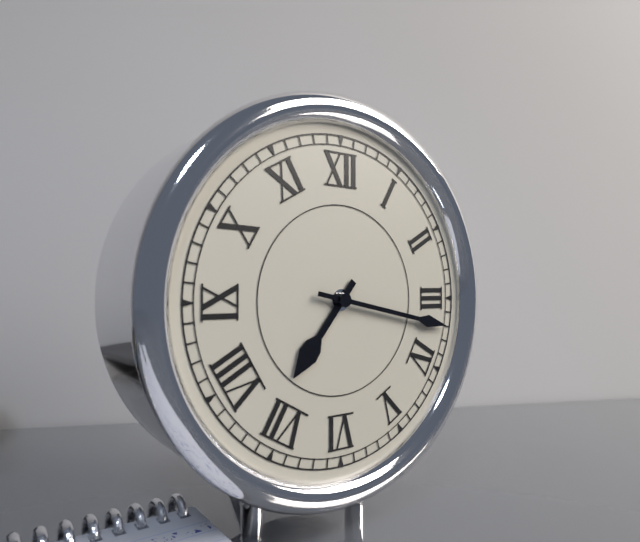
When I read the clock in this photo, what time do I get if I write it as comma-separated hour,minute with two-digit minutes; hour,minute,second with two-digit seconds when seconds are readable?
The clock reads 7,17
